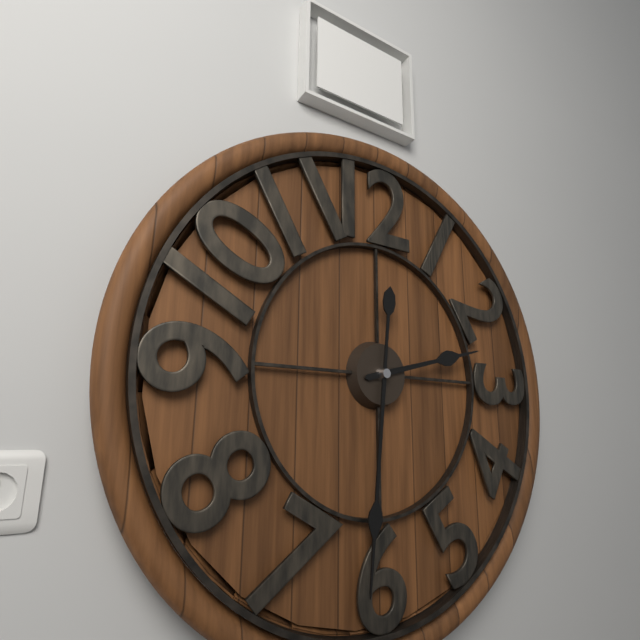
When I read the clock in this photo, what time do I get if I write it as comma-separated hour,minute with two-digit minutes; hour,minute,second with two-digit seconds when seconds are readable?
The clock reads 2,31
